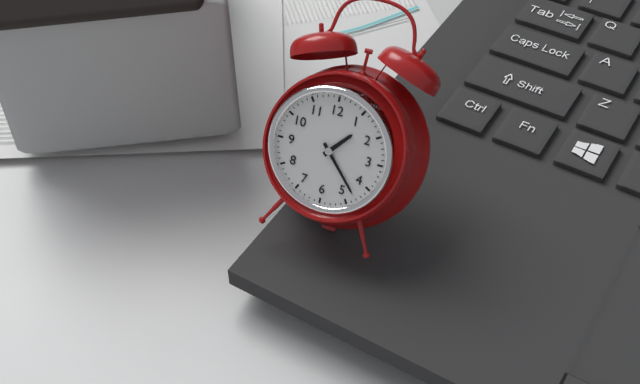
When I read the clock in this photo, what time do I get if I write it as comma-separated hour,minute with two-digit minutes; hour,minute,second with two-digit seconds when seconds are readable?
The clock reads 1,23
